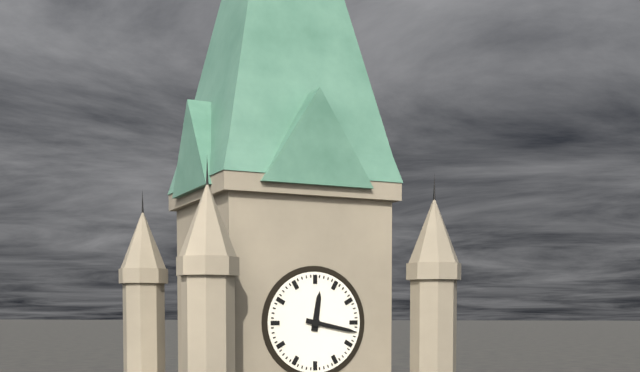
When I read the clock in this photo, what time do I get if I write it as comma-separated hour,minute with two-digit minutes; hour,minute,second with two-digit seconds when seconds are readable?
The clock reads 12,17
